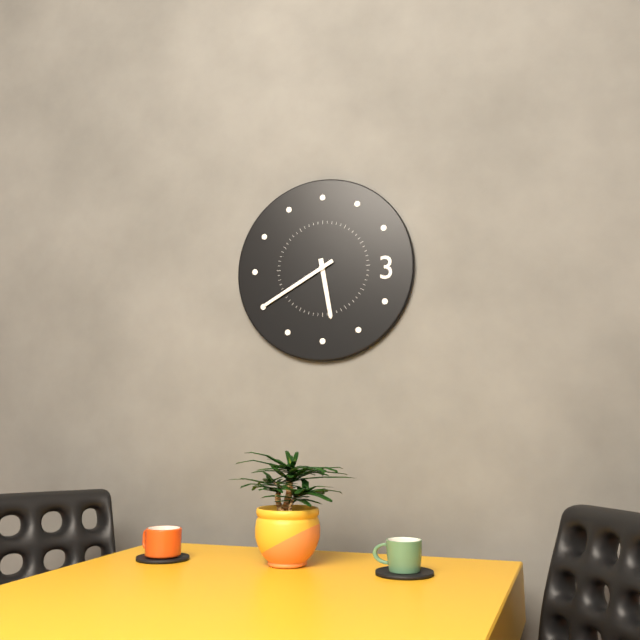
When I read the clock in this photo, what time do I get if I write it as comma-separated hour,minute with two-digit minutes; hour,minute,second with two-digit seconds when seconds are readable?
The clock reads 5,40
